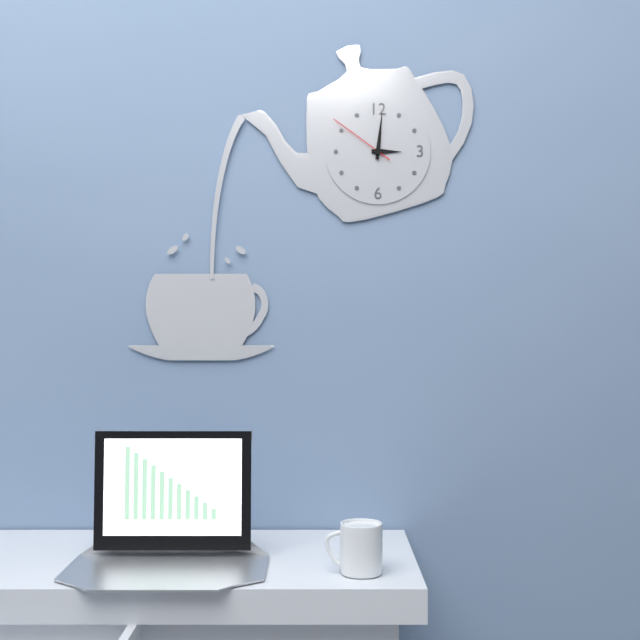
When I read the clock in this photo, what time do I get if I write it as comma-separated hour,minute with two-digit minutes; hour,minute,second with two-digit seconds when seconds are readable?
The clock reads 3,01,51
